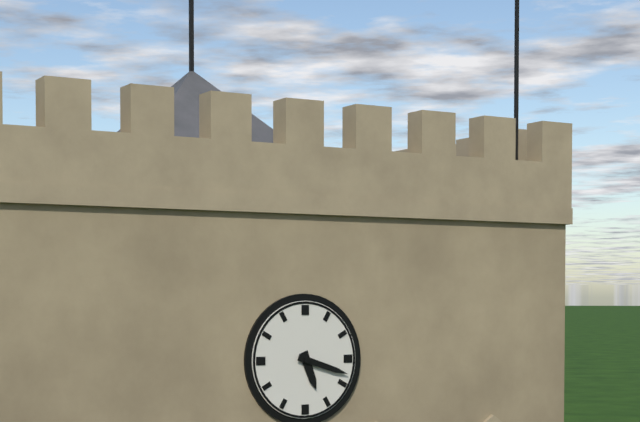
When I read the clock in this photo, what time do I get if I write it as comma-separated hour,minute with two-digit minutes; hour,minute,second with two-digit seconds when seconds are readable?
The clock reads 5,18
